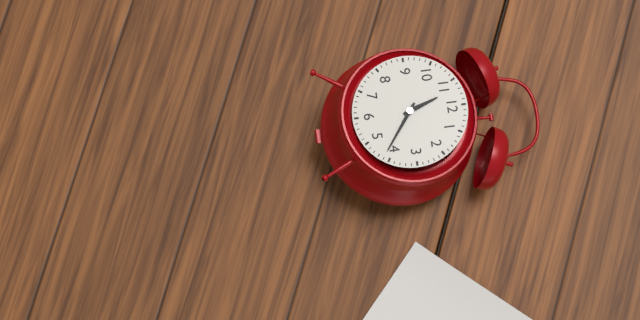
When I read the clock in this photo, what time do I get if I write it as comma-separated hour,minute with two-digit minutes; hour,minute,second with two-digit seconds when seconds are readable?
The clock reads 11,21
